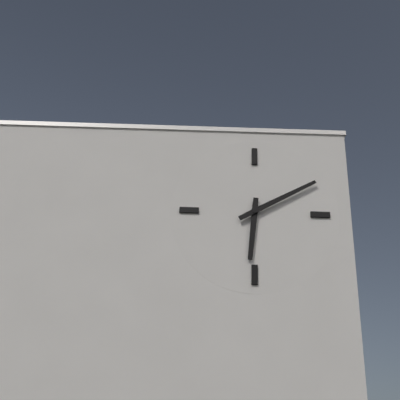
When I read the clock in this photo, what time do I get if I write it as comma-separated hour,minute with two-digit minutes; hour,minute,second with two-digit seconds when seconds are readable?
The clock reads 6,10
